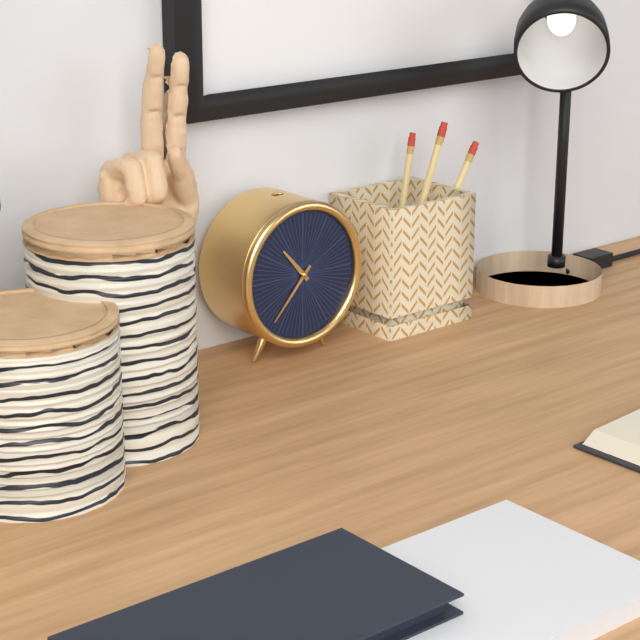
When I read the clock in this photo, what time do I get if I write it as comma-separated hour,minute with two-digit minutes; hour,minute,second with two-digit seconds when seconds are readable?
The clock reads 10,37
